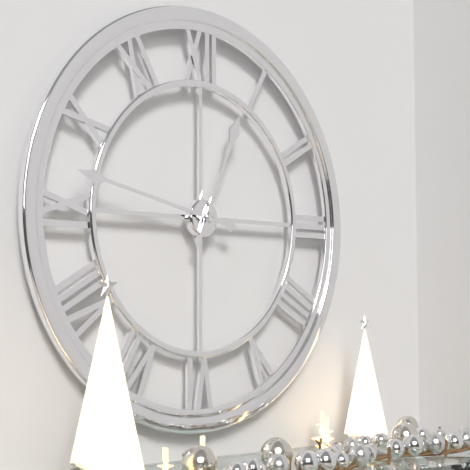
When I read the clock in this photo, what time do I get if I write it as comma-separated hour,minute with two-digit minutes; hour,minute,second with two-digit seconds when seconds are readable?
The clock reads 12,47
